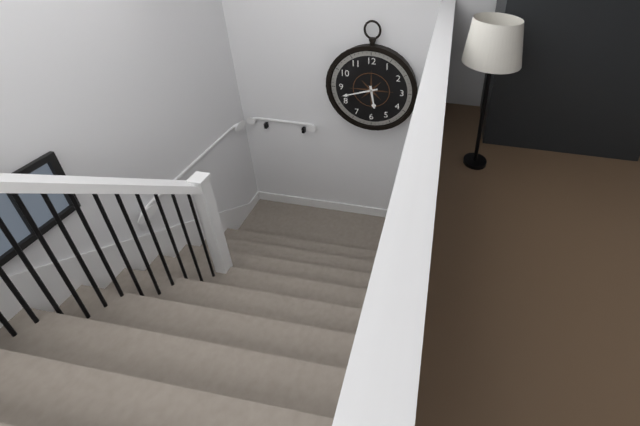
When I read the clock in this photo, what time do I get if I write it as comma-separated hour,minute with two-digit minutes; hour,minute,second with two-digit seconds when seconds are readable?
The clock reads 5,42
